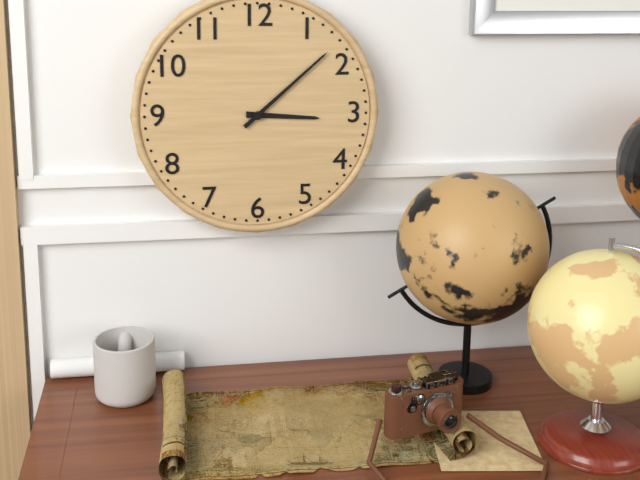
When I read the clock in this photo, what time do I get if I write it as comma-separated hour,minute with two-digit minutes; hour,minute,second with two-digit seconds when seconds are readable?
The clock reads 3,08
